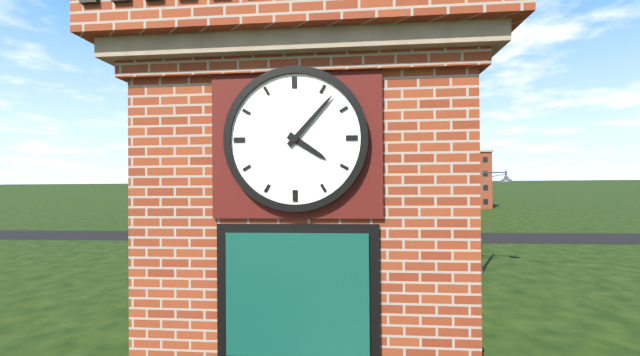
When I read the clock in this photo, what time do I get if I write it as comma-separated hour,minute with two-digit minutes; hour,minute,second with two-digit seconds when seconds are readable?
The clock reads 4,07
